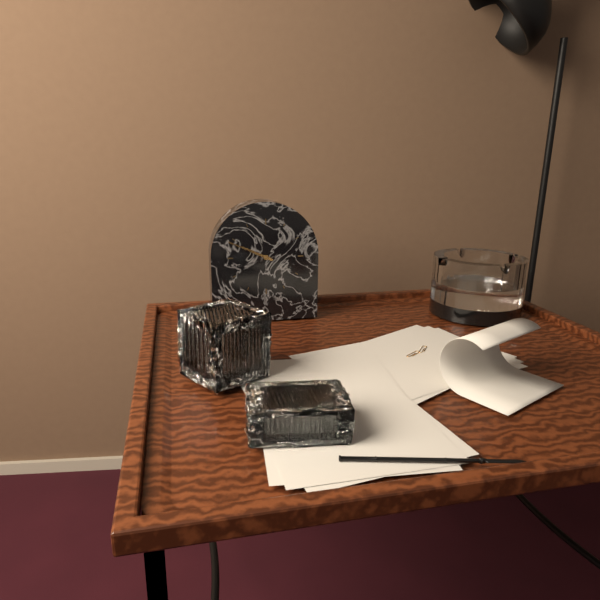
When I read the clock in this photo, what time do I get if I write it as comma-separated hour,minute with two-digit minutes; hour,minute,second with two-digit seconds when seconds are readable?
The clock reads 9,49
